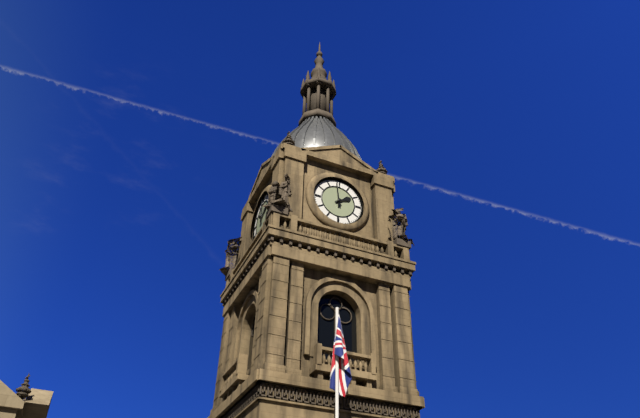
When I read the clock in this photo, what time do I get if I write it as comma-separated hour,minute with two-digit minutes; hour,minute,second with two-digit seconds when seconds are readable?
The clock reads 1,59
